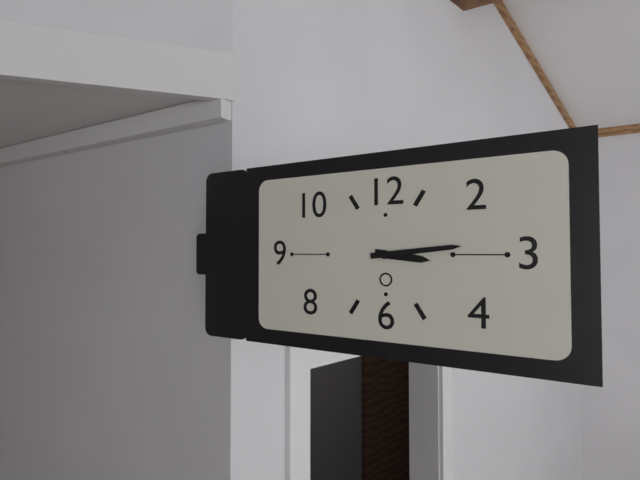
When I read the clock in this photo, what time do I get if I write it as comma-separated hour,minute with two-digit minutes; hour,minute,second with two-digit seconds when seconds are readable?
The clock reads 3,14
